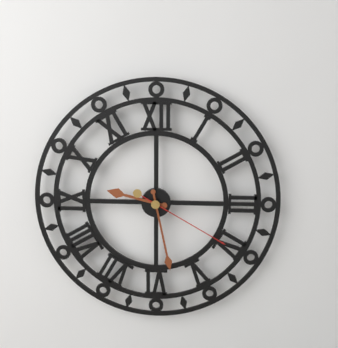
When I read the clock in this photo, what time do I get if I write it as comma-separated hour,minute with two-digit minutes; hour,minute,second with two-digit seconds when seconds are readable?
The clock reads 9,28,20
